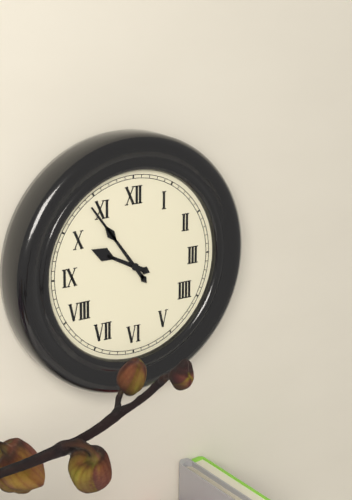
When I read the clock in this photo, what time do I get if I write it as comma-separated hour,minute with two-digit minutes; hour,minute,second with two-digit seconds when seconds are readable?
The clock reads 9,54
